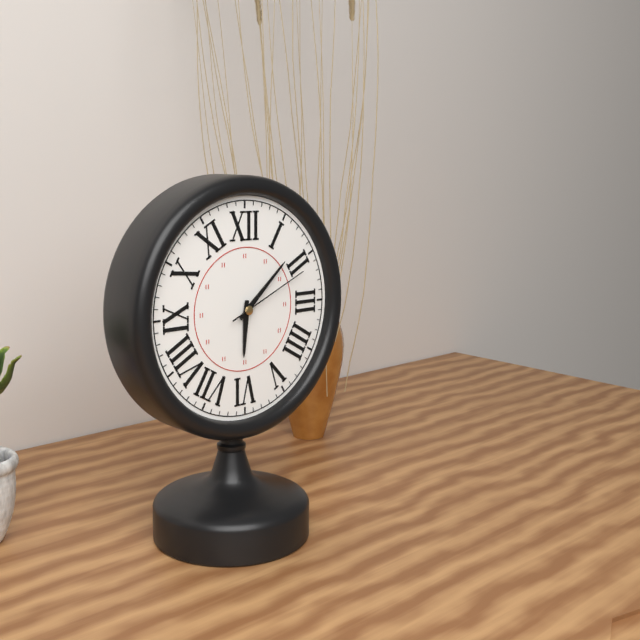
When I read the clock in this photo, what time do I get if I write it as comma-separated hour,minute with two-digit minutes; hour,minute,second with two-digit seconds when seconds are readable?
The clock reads 6,08,11
